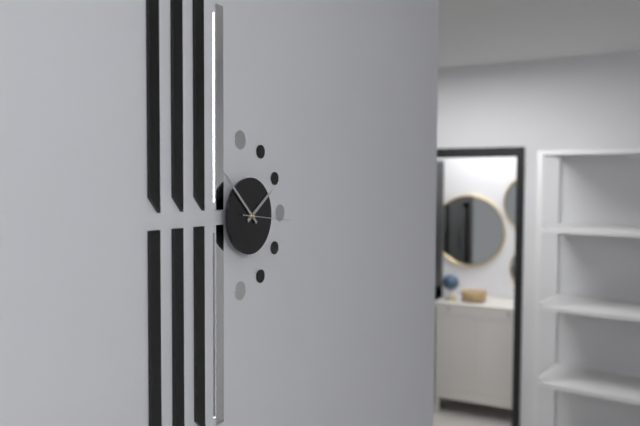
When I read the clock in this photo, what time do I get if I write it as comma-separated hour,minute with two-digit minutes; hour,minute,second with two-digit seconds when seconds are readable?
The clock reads 1,52
